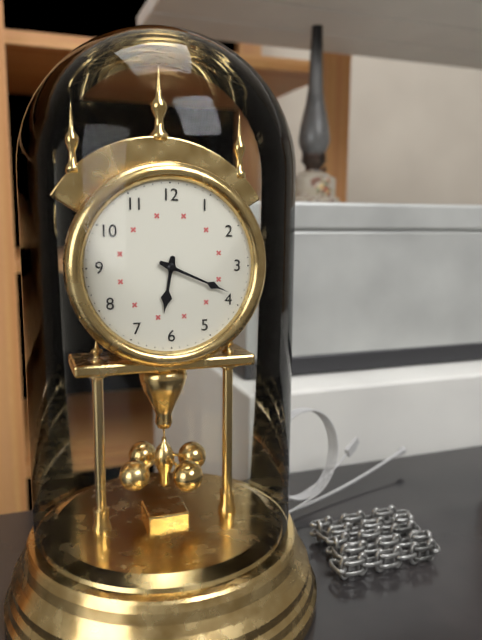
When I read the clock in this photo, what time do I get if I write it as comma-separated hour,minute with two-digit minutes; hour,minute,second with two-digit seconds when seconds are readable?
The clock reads 6,19
